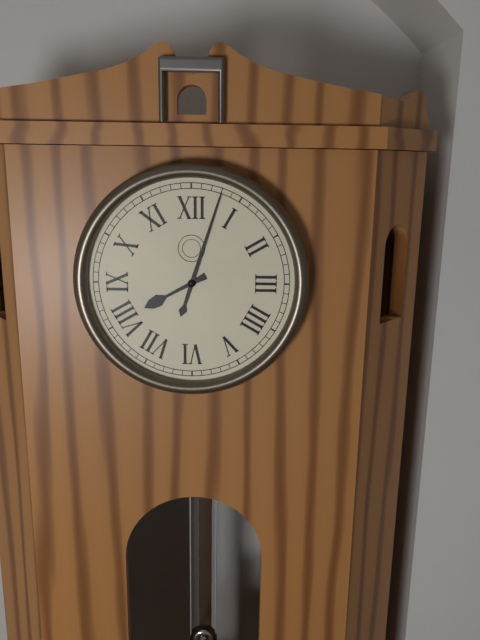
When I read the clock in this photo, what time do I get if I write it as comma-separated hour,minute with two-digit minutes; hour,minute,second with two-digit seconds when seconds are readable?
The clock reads 8,03
